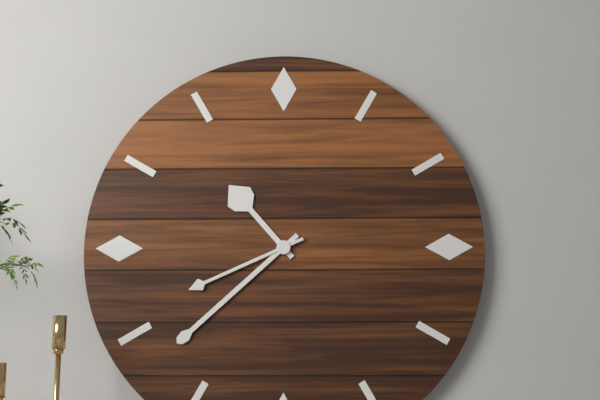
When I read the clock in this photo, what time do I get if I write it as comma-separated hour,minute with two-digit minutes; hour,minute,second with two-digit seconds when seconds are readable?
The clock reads 10,38,41
